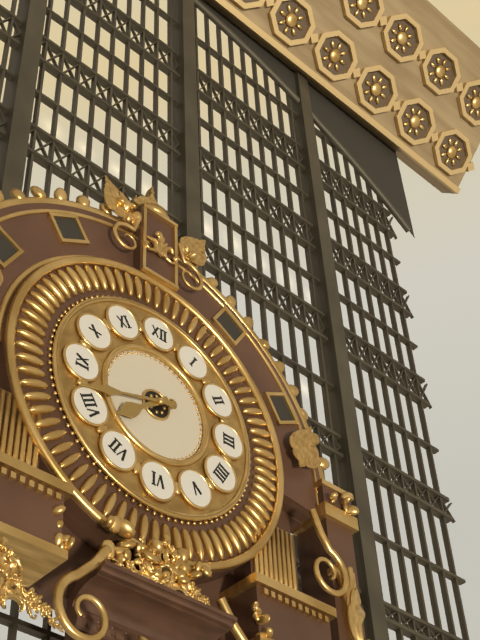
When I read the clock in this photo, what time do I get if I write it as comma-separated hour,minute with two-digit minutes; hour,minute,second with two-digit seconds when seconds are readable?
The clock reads 7,42
